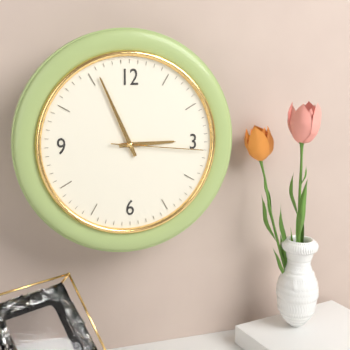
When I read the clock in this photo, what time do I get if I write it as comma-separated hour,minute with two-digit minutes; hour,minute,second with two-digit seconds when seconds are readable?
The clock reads 2,56,16
